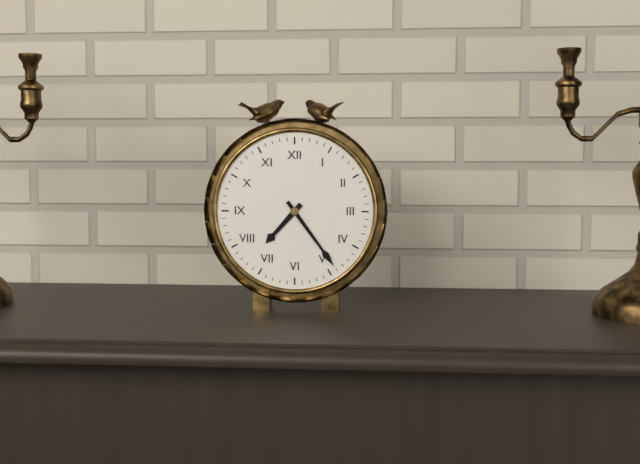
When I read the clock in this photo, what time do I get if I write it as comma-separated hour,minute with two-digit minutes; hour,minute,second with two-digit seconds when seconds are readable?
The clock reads 7,24
